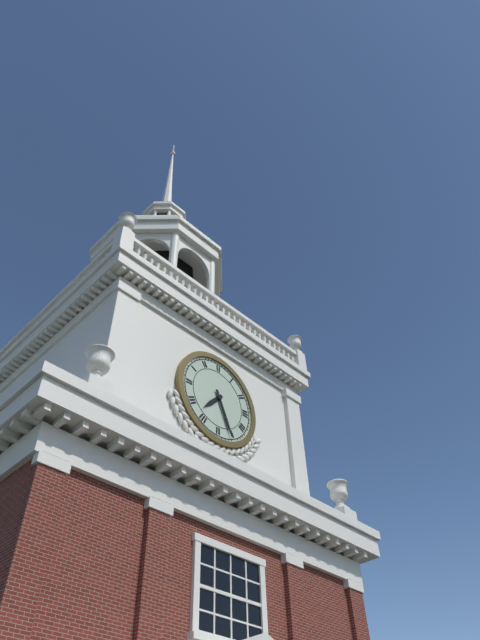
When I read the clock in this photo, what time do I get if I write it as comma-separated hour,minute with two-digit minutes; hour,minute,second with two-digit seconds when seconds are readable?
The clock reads 7,26
